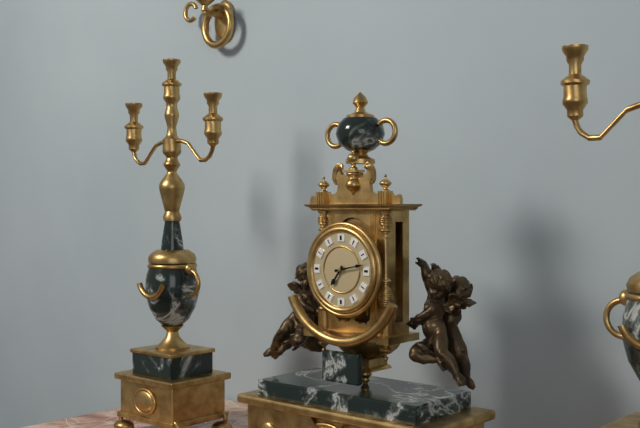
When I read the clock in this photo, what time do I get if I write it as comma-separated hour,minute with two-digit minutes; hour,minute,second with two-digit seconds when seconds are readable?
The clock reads 7,13
